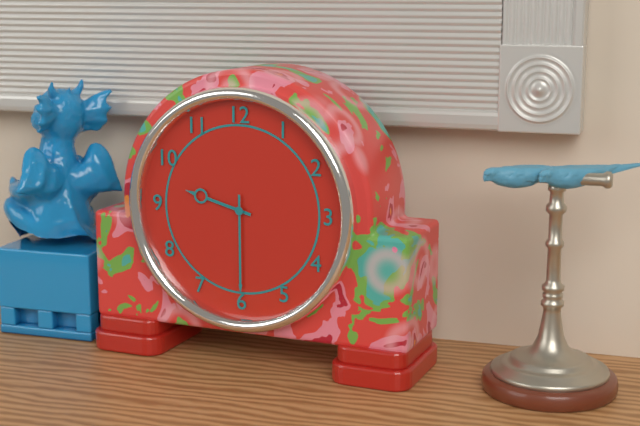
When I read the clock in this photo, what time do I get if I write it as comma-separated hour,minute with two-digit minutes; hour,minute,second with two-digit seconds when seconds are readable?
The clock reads 9,30
